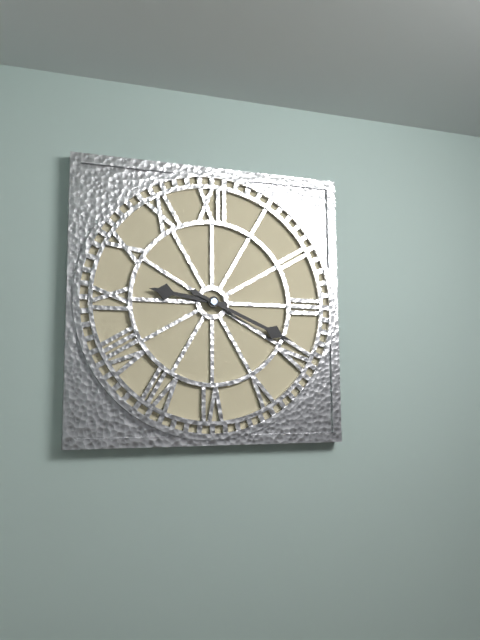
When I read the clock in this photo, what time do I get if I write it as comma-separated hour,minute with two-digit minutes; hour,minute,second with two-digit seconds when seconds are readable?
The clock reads 9,19
